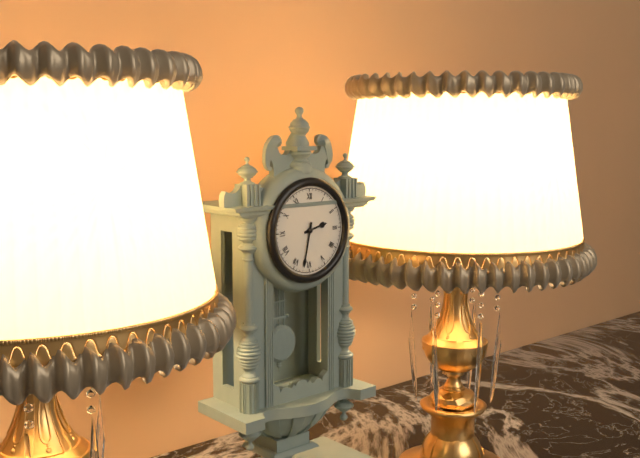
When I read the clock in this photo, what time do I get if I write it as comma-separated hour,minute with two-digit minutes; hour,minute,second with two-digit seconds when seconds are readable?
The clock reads 2,32
